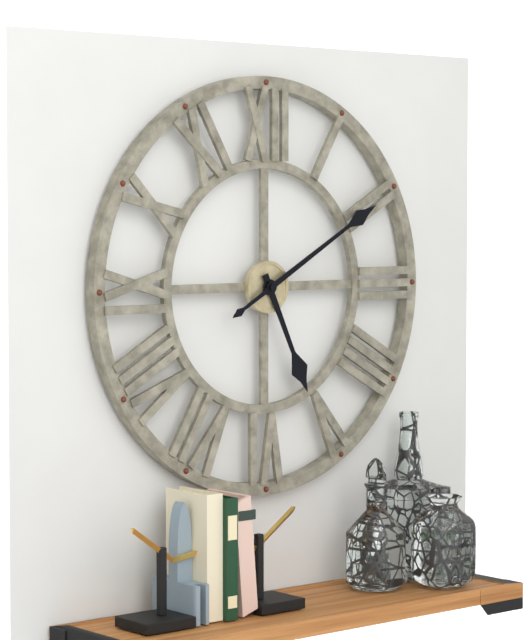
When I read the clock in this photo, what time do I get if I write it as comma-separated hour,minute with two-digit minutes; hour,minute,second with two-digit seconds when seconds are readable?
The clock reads 5,10
